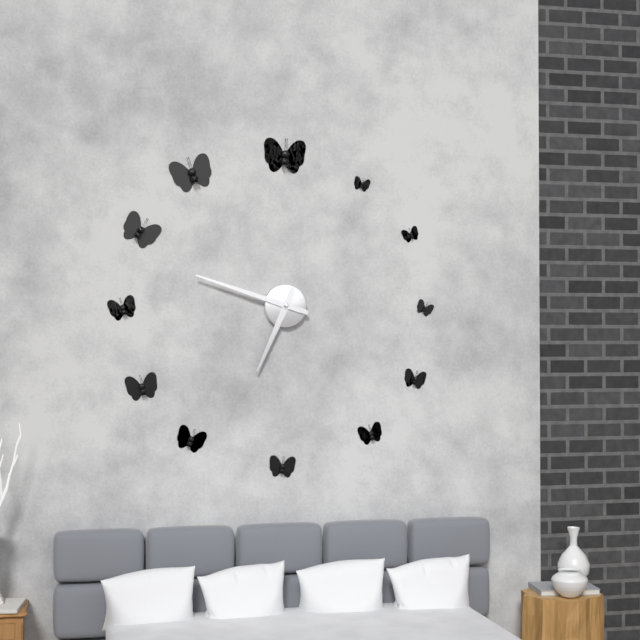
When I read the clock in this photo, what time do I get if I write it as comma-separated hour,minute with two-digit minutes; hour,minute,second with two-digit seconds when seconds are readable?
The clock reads 6,48
